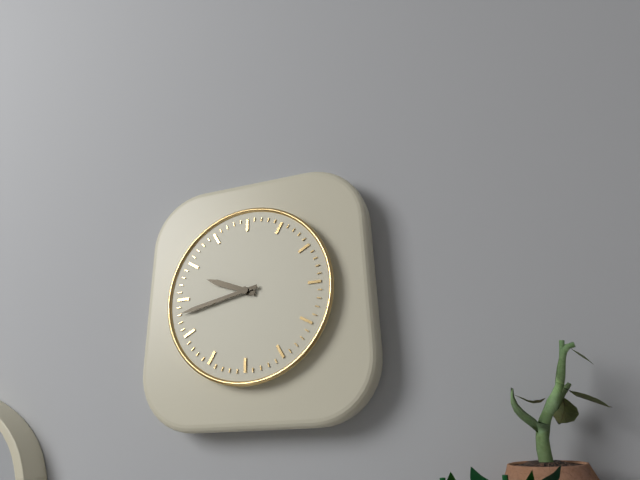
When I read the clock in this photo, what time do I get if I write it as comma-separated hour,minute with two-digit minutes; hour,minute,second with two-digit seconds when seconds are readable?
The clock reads 9,43
